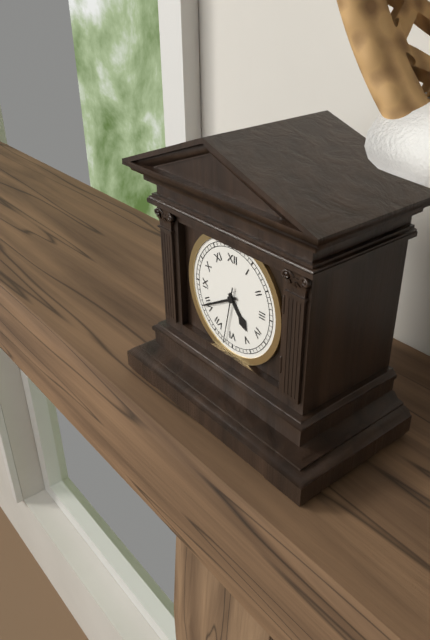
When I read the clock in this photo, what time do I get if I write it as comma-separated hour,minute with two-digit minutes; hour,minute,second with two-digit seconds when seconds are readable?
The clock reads 4,40,32
